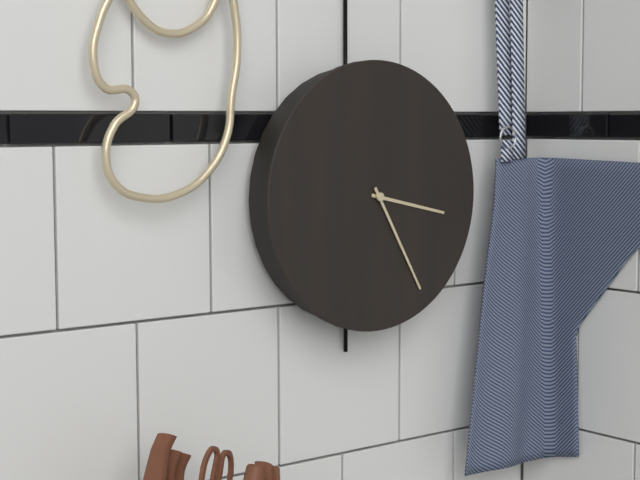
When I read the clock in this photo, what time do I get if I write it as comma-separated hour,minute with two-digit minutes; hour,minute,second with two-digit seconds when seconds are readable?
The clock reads 3,25
